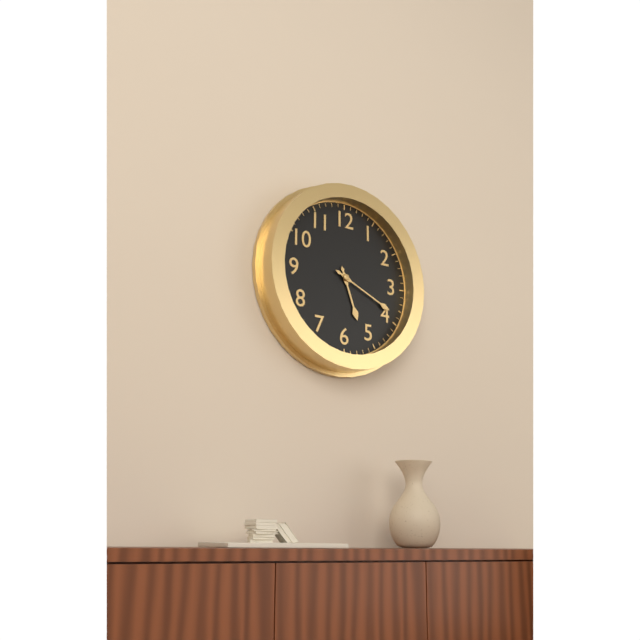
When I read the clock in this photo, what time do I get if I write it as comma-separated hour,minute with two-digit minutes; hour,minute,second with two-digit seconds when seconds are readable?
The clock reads 5,19
